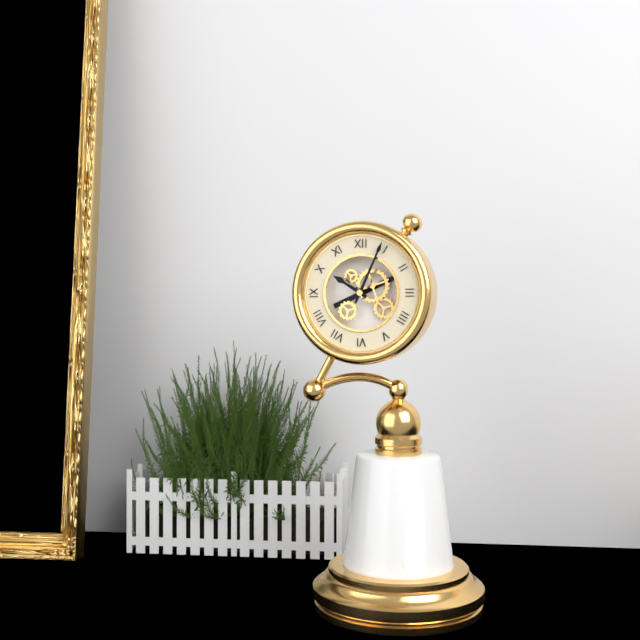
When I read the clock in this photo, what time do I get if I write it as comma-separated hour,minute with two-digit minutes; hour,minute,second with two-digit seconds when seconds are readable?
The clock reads 10,04
